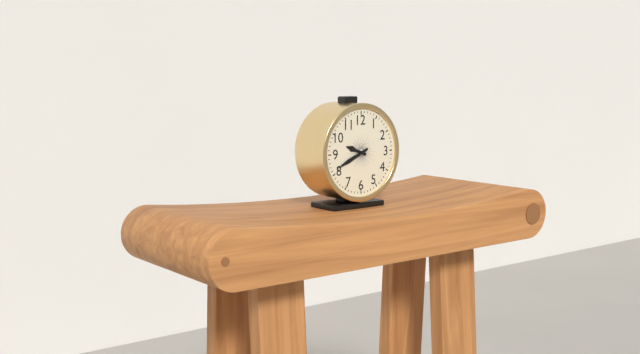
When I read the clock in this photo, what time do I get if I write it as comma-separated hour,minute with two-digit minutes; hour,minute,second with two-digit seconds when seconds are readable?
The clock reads 9,41
